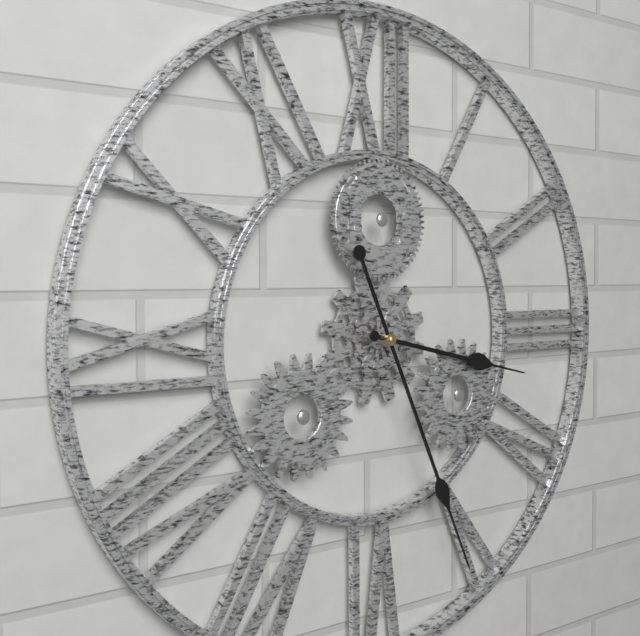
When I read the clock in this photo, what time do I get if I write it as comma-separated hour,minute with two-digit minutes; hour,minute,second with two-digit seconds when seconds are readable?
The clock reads 3,26
